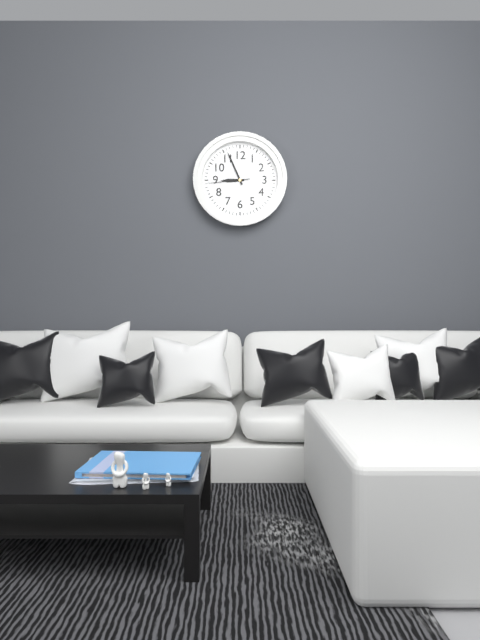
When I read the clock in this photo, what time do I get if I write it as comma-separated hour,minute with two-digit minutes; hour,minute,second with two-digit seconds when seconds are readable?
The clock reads 8,56
